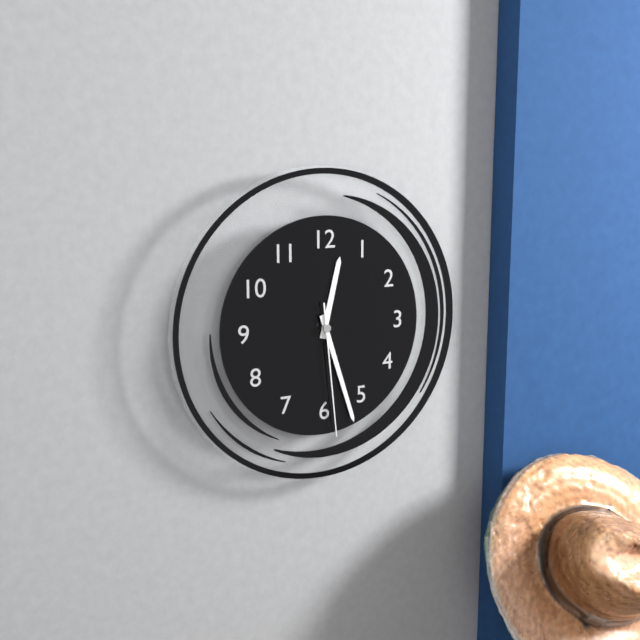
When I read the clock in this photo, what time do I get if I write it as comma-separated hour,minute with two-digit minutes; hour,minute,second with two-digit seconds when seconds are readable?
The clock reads 12,27,29
